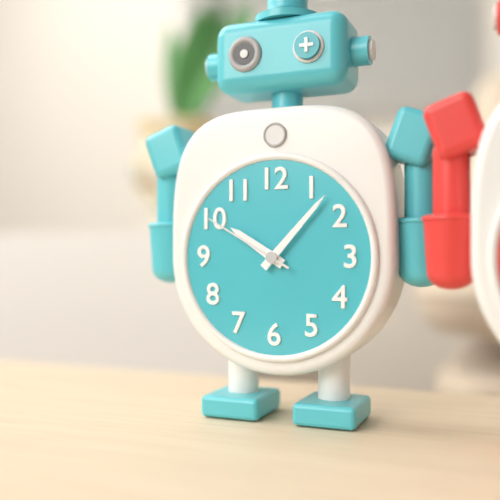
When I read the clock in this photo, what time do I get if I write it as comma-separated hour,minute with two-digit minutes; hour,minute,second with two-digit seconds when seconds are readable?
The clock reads 10,07,50
